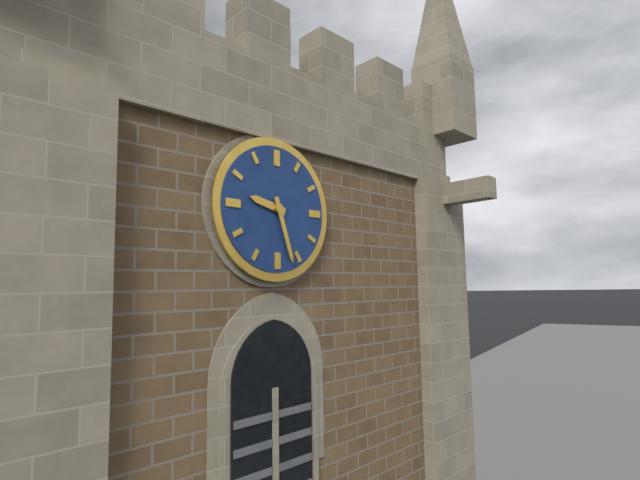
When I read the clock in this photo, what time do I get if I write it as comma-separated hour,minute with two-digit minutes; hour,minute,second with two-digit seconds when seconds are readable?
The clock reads 9,27
